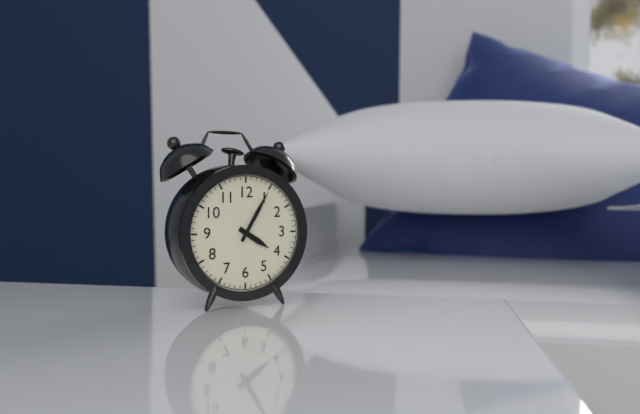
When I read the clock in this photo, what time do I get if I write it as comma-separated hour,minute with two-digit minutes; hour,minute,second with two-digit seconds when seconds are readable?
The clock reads 4,05
